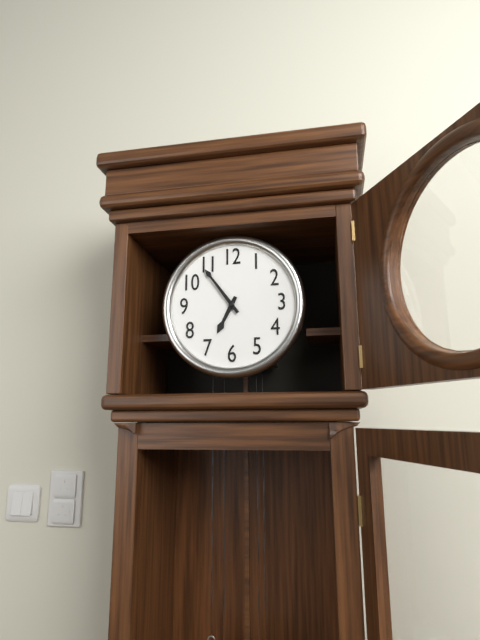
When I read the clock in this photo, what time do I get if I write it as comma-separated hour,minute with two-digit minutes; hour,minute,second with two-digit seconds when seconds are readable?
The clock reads 6,54
